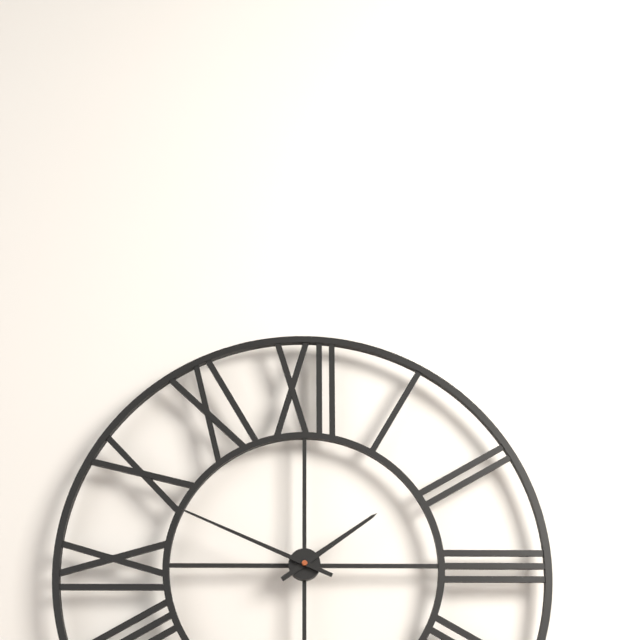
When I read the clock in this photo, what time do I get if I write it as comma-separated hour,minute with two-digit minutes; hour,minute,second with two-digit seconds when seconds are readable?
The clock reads 1,49
